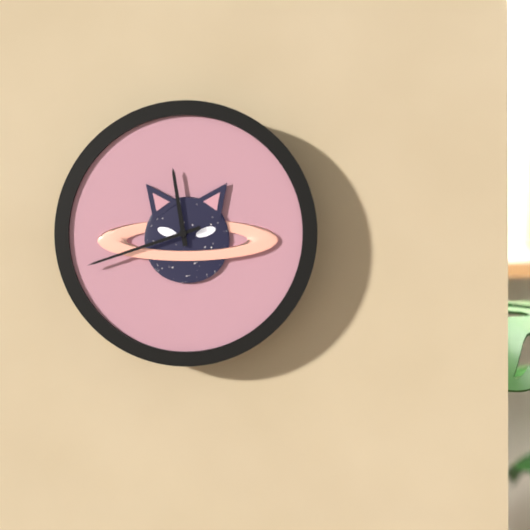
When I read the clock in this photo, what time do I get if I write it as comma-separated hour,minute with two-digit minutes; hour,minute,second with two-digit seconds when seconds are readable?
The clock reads 11,42
